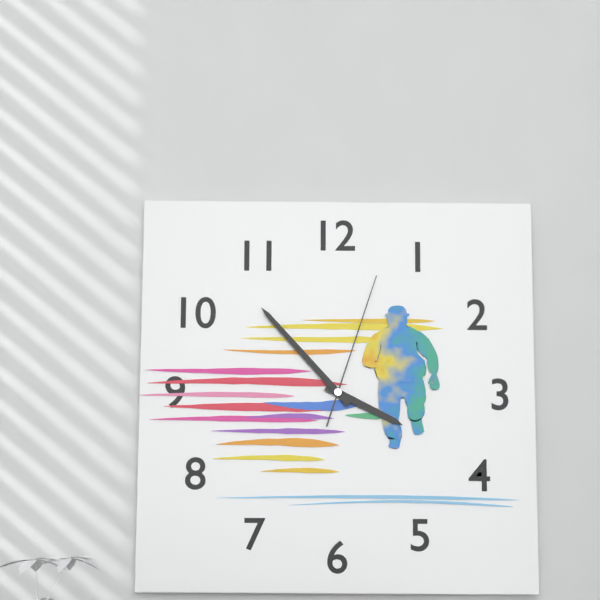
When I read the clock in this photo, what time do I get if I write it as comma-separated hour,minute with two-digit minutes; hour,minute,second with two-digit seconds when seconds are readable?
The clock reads 3,53,03
